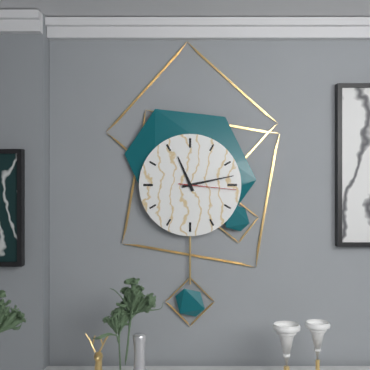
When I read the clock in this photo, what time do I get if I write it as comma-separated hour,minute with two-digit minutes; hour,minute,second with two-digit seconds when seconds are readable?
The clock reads 11,13,16
